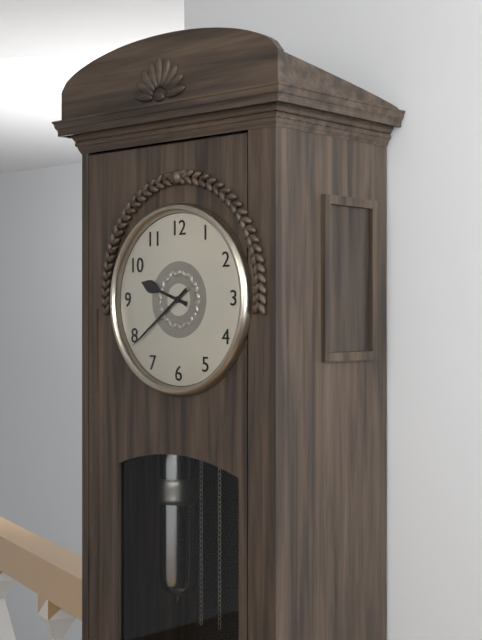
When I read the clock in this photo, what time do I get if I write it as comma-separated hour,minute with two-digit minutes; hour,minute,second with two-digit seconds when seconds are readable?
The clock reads 9,39
